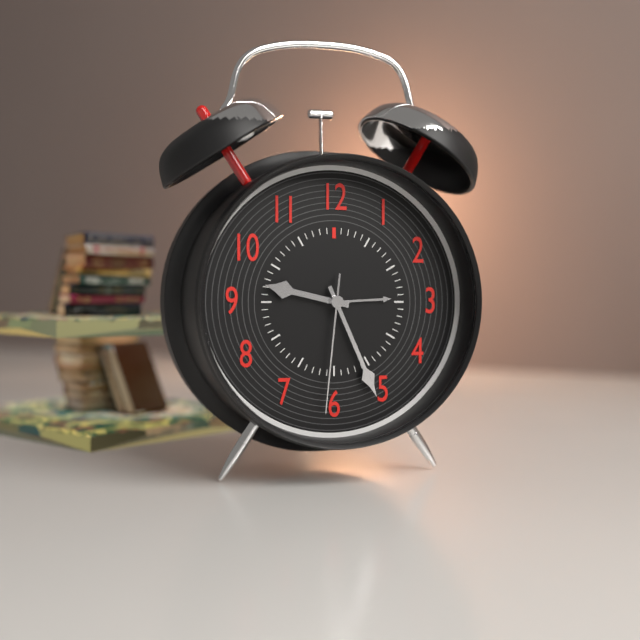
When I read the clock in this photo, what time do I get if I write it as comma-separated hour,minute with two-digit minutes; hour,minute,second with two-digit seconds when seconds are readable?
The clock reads 9,26,31
